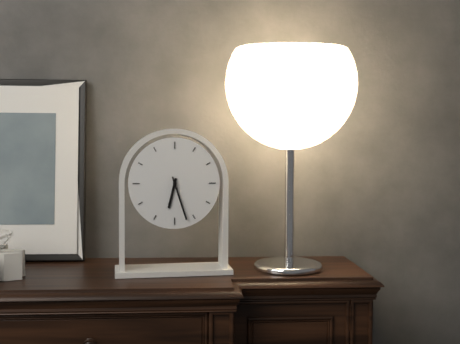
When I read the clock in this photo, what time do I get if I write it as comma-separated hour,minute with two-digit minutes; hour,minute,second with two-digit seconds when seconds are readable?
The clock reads 6,27
